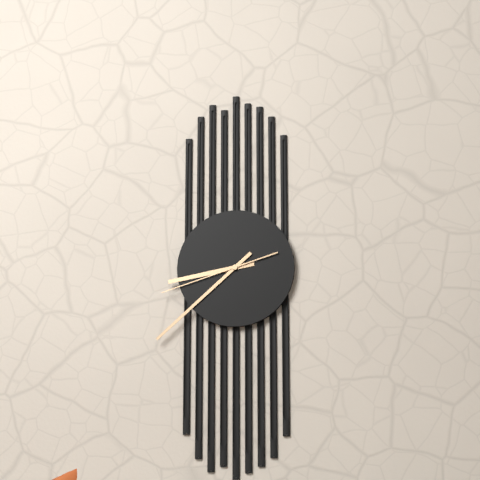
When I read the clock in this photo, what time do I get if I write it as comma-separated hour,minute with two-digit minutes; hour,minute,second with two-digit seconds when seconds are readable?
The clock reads 8,38,42
